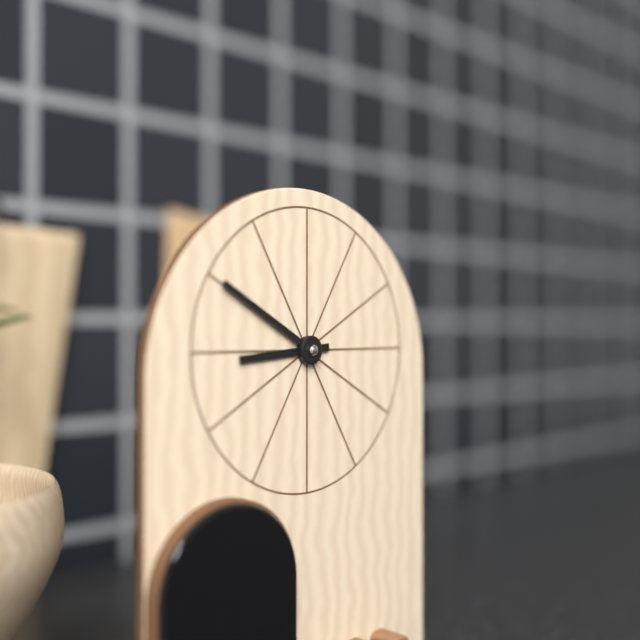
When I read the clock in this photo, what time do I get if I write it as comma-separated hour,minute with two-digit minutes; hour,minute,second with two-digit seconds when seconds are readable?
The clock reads 8,50
